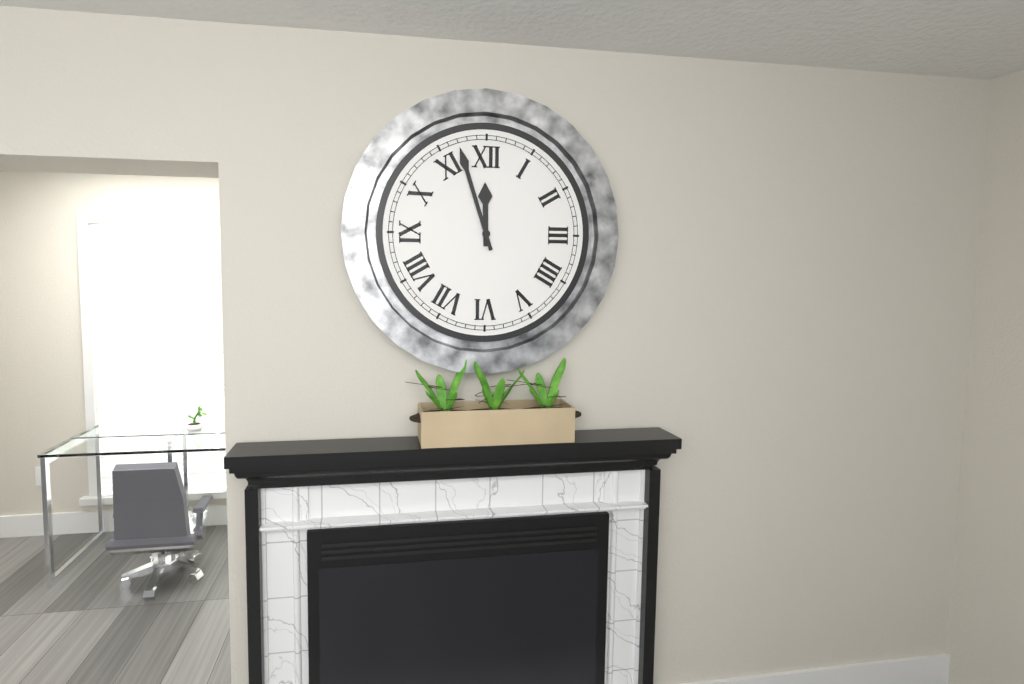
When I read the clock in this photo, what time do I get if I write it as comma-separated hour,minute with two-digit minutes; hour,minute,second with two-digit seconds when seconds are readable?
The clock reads 11,57
